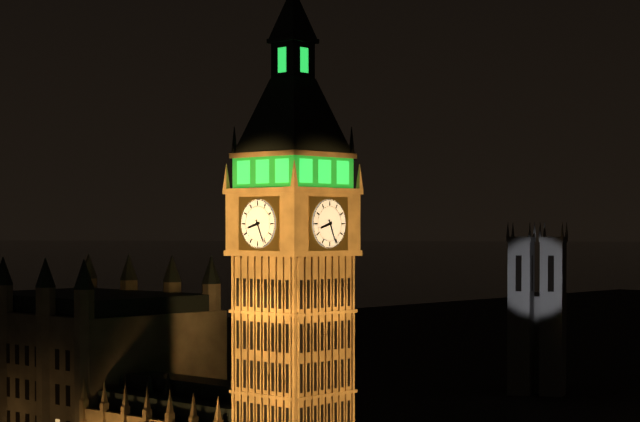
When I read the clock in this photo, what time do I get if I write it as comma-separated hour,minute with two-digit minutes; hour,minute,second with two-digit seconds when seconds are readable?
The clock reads 8,26
